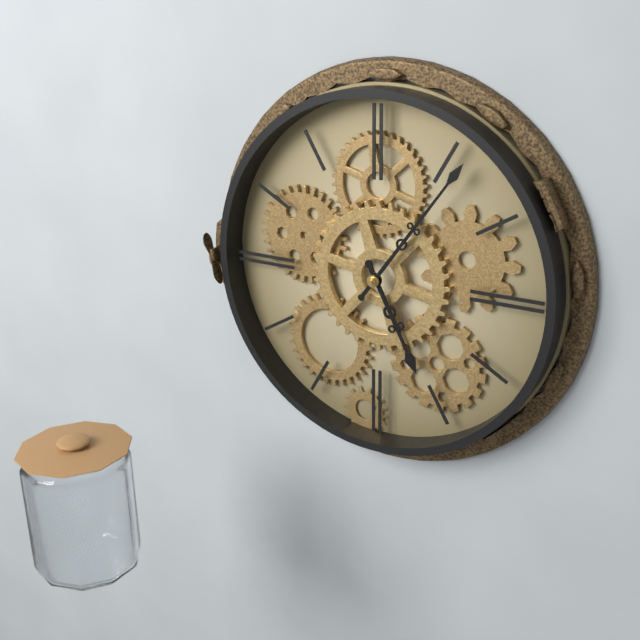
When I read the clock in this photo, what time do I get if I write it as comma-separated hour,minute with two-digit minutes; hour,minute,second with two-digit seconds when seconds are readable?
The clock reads 5,06
